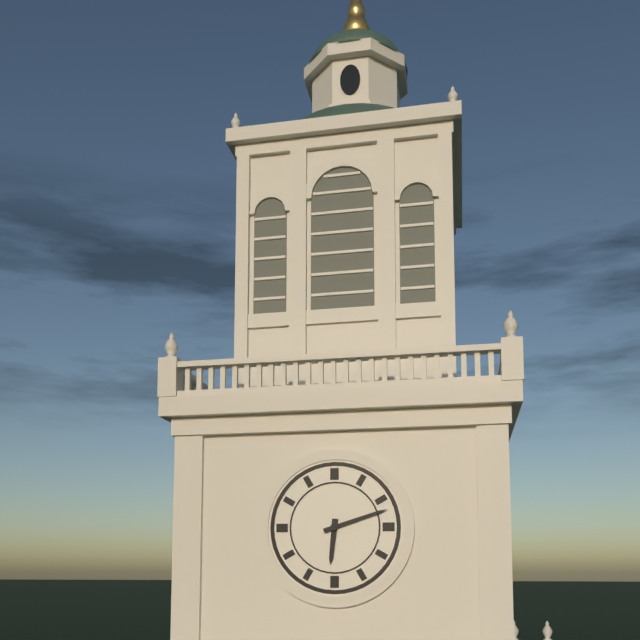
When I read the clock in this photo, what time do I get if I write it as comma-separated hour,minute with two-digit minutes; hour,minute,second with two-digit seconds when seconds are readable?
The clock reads 6,12
